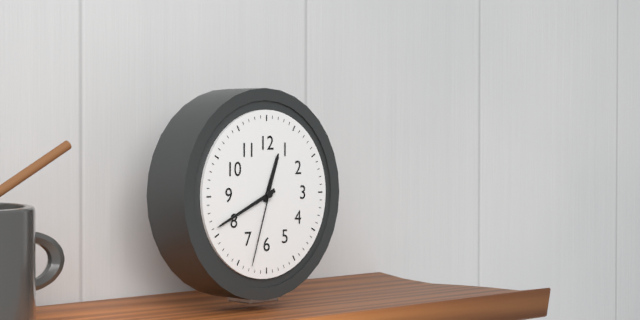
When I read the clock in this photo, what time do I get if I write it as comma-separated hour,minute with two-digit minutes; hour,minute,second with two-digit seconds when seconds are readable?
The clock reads 12,41,33
